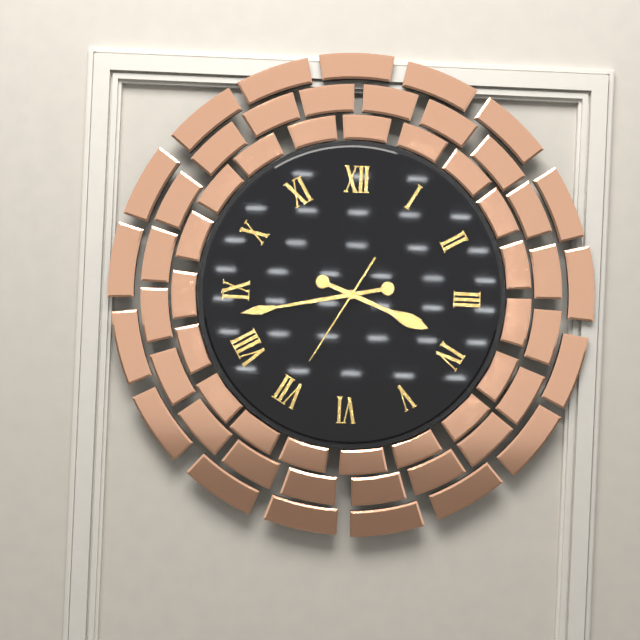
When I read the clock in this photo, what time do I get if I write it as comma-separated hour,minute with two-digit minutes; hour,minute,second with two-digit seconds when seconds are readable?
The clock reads 3,43,35
